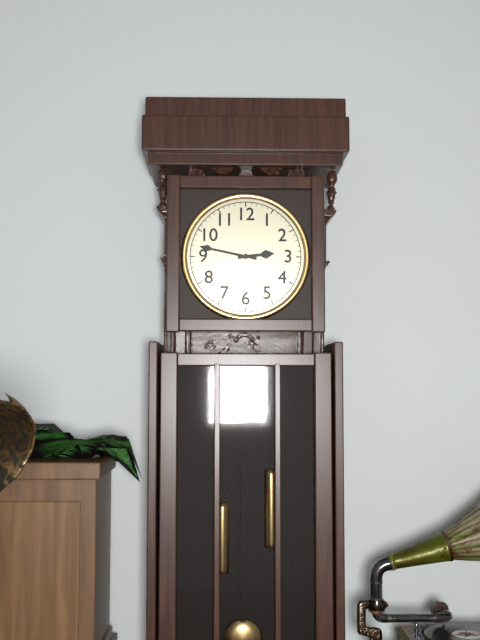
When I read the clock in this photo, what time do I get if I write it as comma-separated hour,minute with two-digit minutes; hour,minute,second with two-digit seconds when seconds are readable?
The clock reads 2,47
